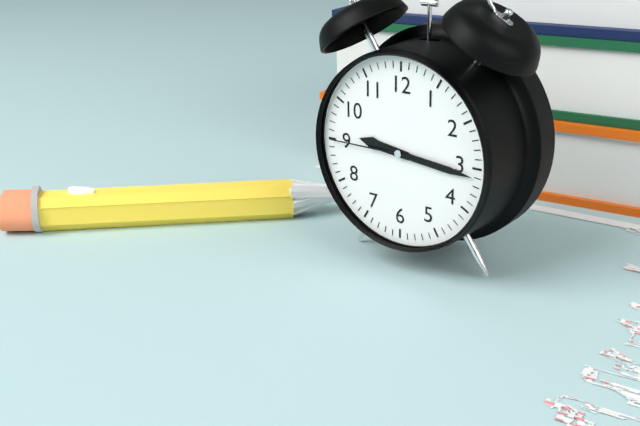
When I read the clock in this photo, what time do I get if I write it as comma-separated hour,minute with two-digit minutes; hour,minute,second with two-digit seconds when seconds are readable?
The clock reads 9,16,45
